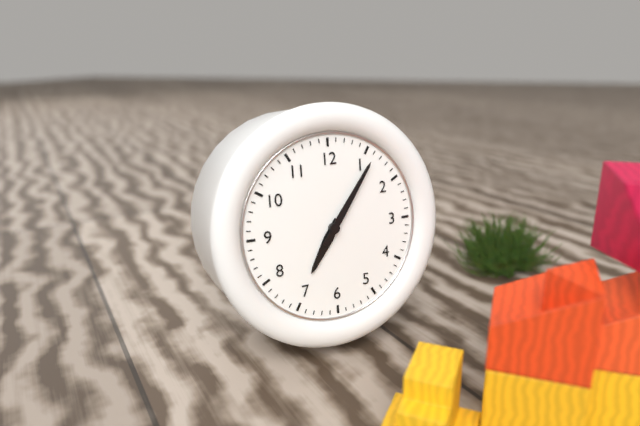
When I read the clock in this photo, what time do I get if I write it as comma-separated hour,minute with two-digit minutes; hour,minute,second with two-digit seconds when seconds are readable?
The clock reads 7,06
